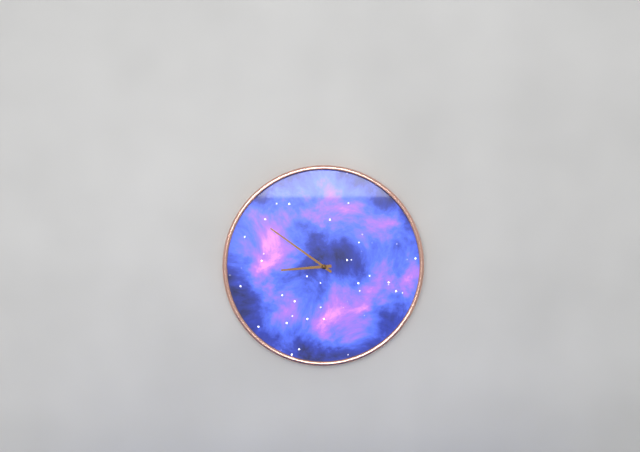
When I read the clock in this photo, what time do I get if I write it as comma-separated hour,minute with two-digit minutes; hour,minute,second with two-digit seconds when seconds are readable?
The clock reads 8,51
